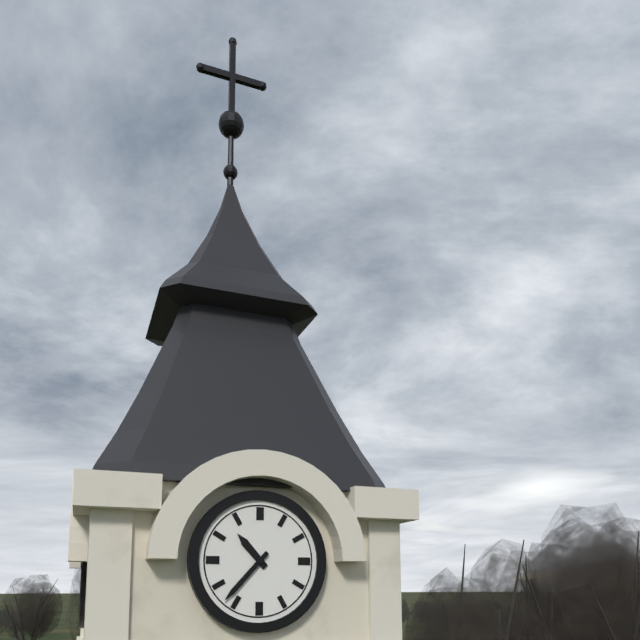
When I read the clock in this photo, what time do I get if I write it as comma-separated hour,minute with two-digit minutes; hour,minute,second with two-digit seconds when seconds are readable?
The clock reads 10,37
